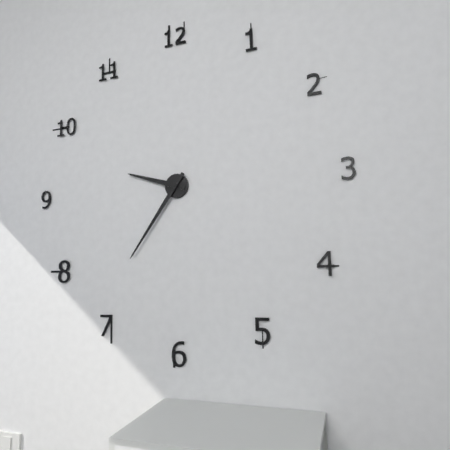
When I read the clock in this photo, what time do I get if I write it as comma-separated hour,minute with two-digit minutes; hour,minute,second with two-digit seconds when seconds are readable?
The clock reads 9,36
